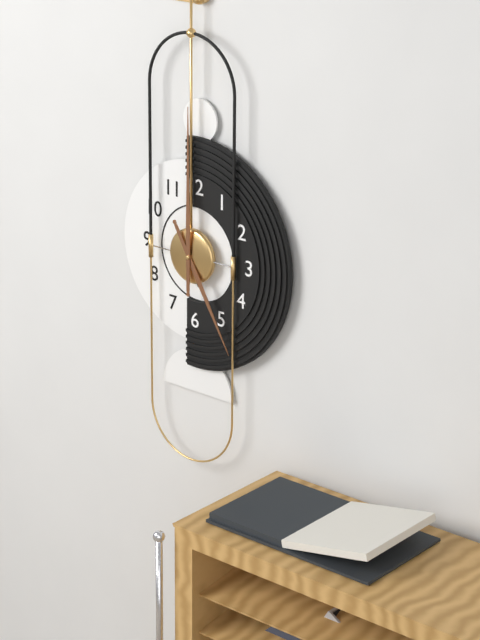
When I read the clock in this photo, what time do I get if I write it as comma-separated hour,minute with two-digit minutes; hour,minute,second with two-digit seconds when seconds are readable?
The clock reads 5,00
